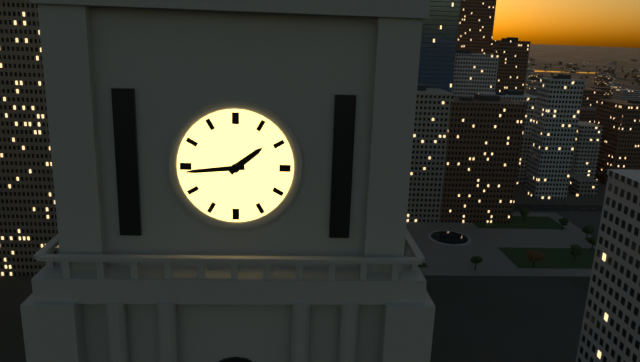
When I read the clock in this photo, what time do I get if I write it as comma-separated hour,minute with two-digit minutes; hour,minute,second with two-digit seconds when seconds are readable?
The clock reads 1,44
